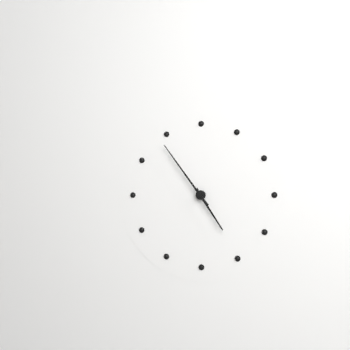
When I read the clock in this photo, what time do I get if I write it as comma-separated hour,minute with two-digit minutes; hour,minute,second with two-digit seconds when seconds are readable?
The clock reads 4,54
